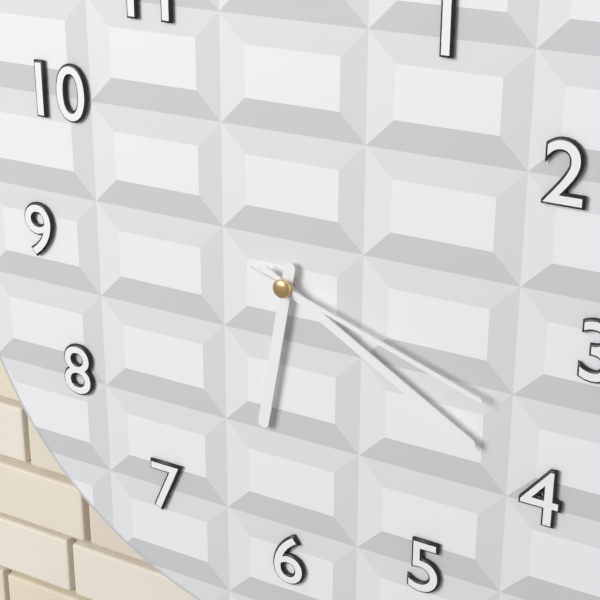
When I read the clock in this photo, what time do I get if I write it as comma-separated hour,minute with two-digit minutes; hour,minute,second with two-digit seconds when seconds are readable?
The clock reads 6,20,18
